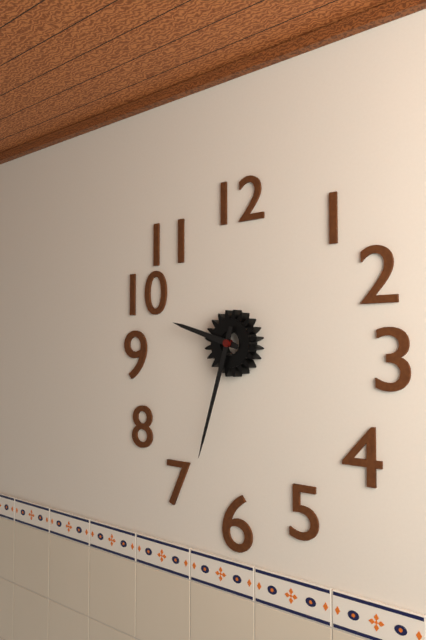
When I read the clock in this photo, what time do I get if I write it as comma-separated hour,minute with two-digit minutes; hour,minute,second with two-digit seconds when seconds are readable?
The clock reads 9,33
